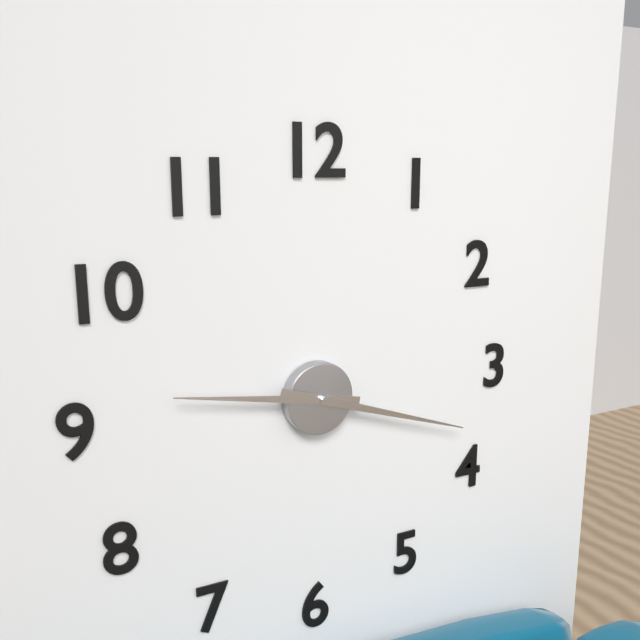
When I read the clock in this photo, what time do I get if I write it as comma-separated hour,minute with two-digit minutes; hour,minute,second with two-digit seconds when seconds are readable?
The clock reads 9,18
